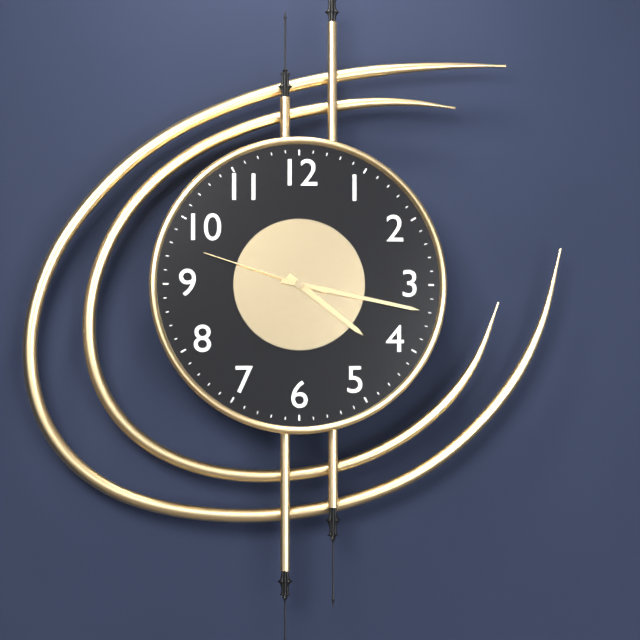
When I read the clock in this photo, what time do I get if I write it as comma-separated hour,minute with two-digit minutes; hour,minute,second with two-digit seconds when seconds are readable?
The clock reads 4,17,48
